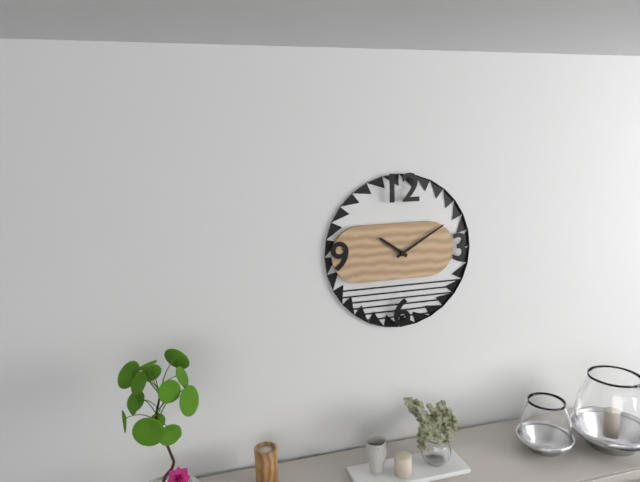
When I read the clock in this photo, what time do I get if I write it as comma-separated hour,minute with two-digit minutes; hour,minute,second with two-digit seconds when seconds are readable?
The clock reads 10,10
